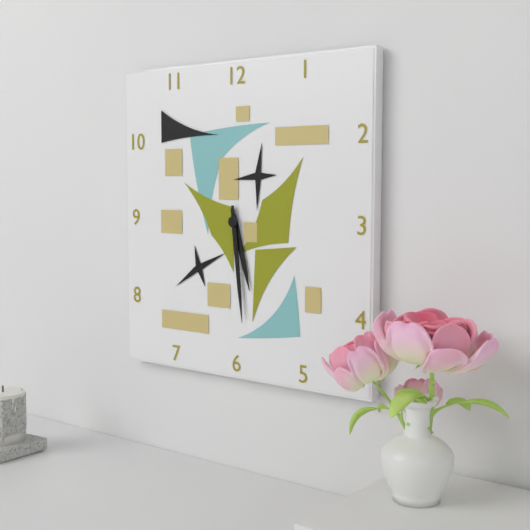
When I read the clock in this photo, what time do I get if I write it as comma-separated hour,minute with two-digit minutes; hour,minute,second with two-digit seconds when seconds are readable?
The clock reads 5,29
